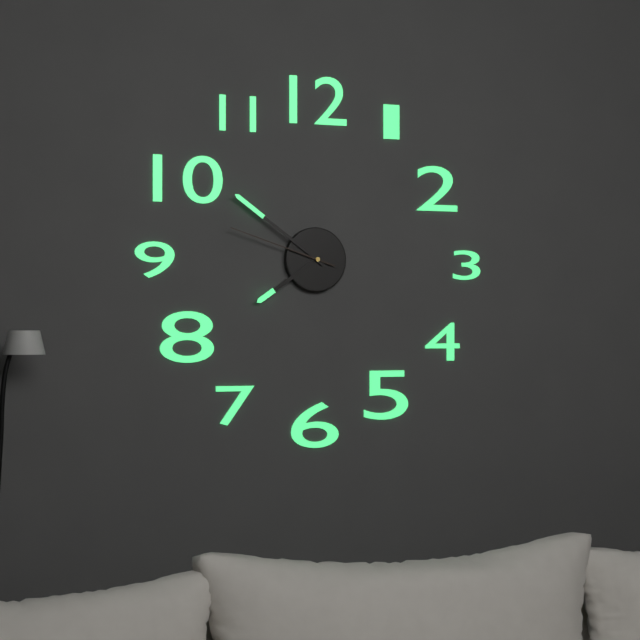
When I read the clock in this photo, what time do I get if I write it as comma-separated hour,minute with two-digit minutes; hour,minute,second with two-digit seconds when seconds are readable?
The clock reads 7,51,48
